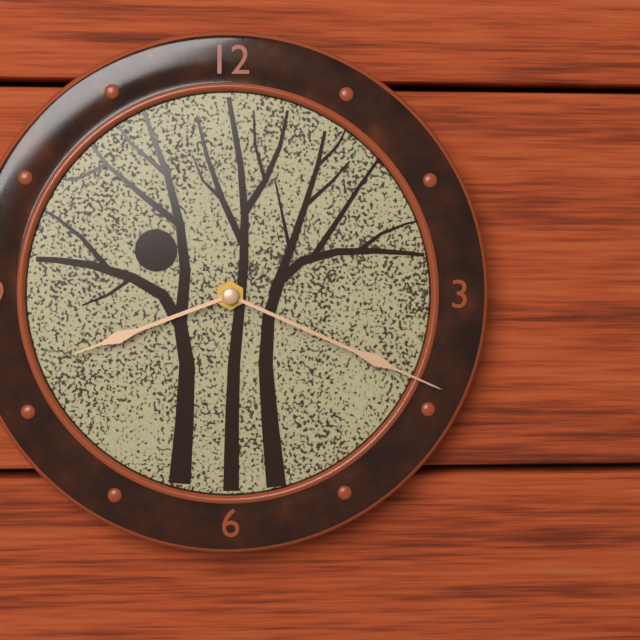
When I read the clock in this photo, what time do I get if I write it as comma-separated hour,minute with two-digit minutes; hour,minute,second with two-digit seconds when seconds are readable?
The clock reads 8,19
